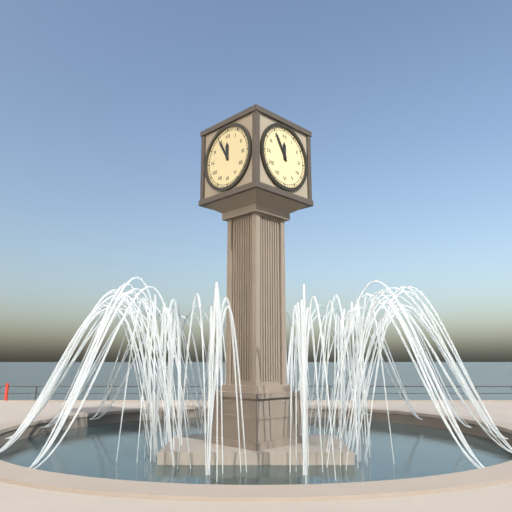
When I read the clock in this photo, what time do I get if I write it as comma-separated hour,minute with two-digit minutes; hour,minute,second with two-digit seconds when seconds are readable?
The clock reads 11,55
